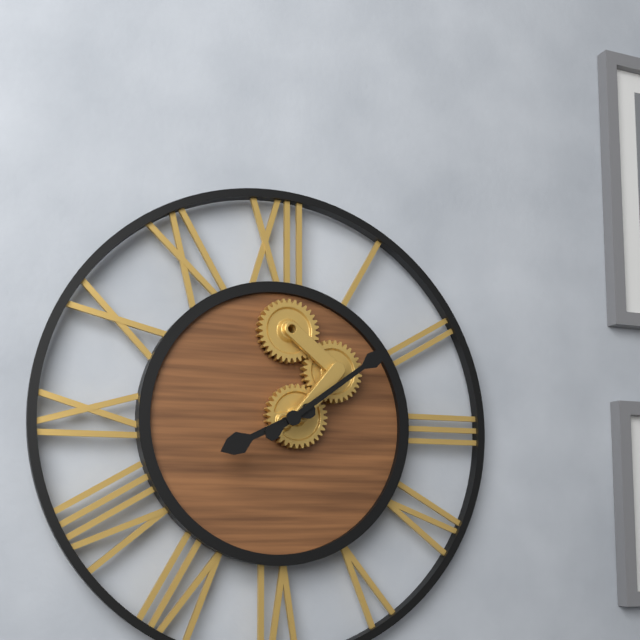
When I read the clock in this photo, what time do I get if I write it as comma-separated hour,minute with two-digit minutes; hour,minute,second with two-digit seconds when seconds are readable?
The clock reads 8,09
